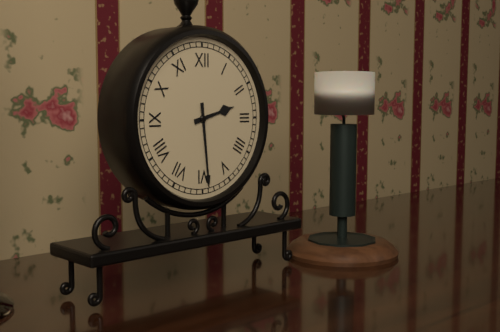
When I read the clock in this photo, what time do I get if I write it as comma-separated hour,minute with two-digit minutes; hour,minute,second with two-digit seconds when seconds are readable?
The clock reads 2,29
